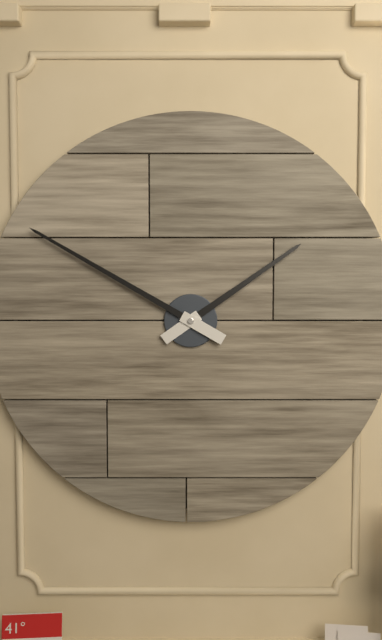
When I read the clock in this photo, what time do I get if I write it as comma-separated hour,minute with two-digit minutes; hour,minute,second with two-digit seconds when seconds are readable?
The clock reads 1,50
